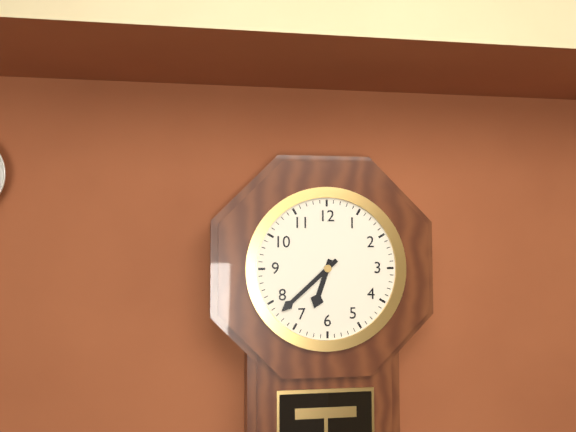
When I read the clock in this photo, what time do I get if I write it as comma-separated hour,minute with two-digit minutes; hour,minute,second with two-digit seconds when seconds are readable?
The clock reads 6,38
